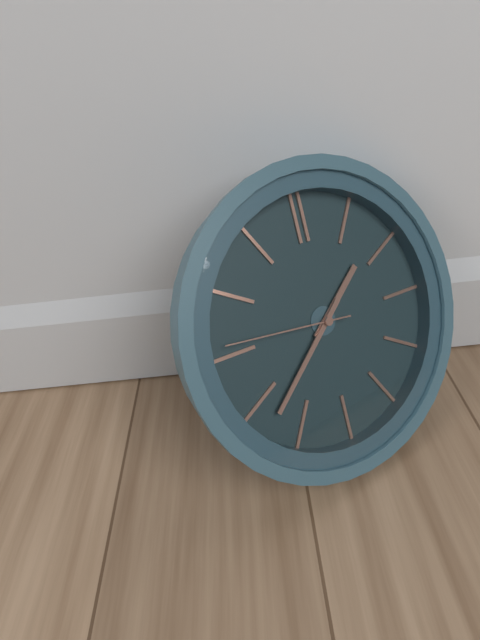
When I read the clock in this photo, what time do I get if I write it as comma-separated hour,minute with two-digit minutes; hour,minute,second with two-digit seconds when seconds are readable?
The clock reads 1,38,46
